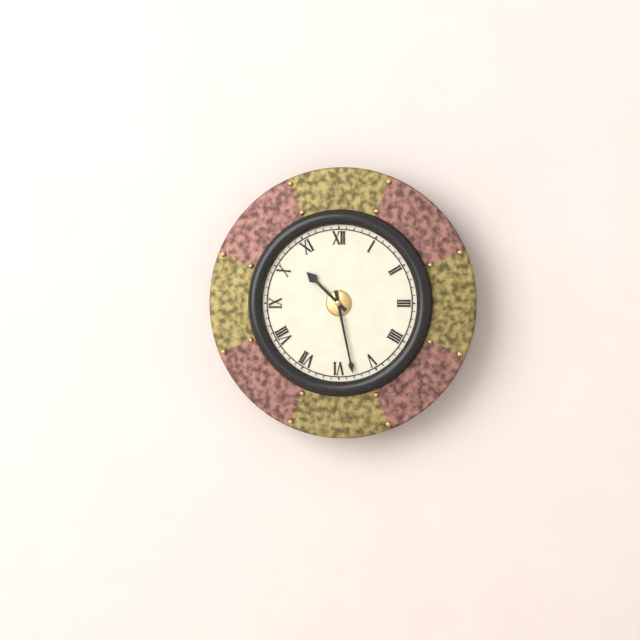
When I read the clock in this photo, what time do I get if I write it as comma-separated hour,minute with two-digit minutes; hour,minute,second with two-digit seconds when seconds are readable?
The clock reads 10,28
